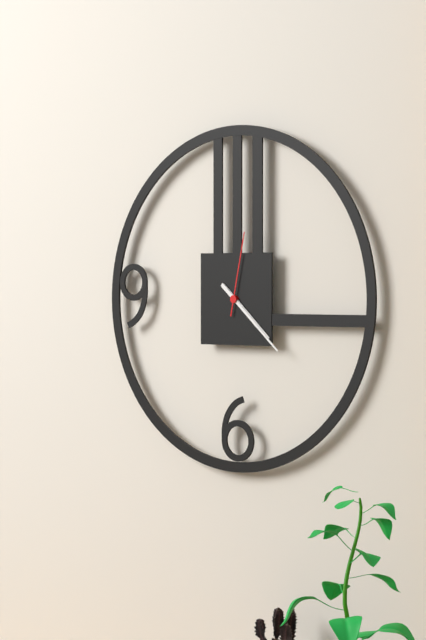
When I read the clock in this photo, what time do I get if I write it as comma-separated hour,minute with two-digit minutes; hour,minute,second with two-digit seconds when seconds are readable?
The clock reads 4,22,02
